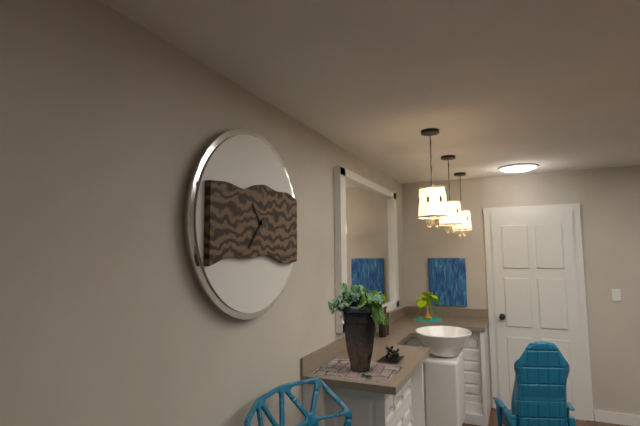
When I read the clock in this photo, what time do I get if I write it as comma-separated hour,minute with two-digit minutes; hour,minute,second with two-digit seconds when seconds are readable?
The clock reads 10,37
